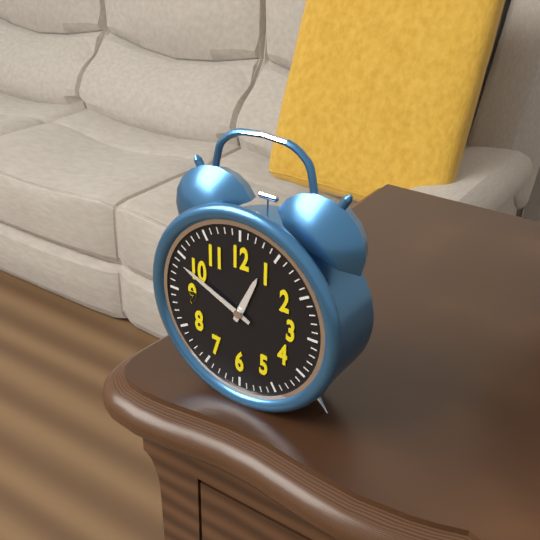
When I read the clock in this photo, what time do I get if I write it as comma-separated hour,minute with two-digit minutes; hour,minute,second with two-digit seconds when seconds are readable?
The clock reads 12,49
